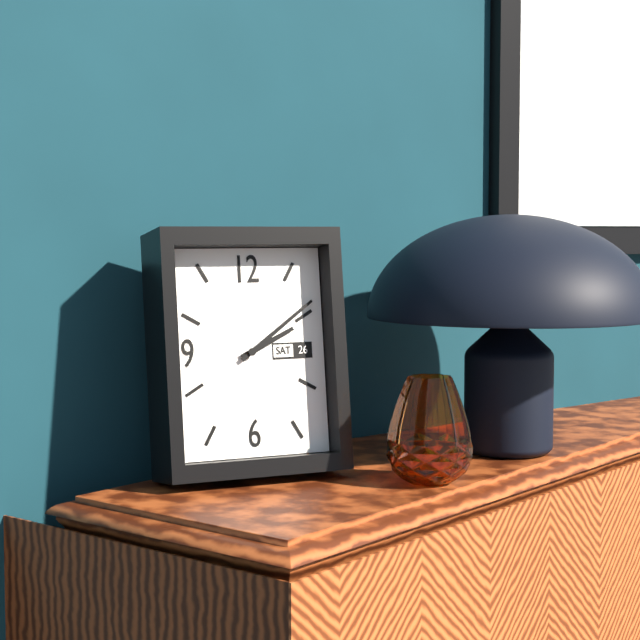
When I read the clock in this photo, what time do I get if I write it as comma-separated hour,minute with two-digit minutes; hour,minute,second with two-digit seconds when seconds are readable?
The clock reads 2,09
